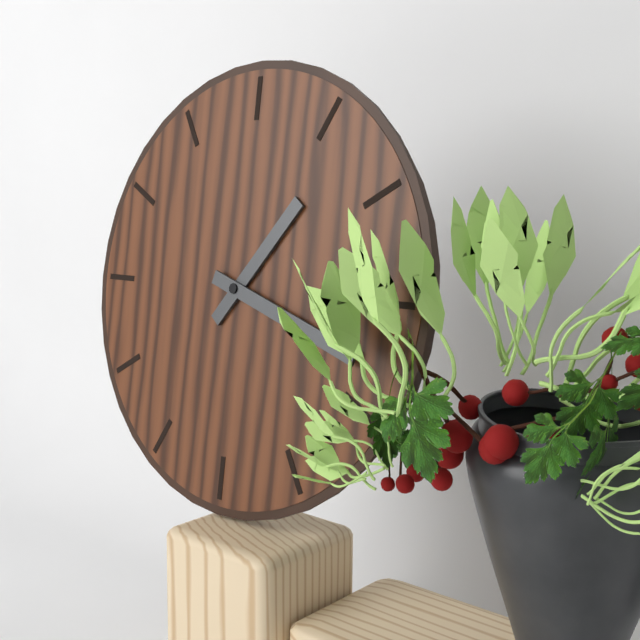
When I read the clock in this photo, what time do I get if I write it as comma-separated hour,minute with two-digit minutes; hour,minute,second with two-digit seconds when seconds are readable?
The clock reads 1,18
